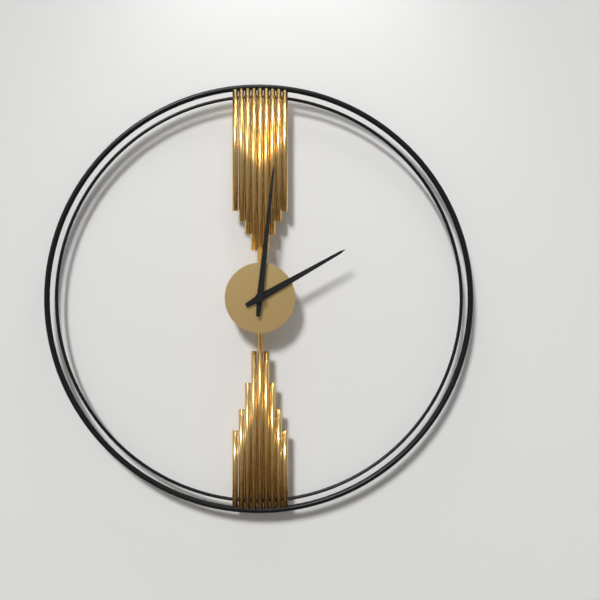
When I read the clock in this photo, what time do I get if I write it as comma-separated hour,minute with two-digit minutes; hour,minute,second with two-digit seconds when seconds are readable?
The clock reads 2,01
